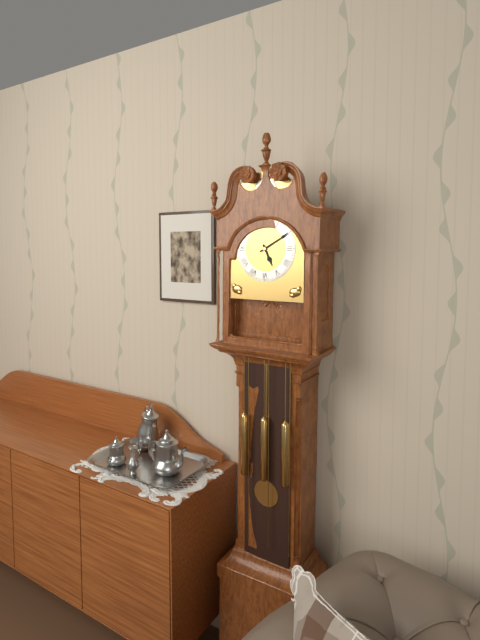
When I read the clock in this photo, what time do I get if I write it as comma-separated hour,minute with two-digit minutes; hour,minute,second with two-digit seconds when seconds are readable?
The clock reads 5,10
